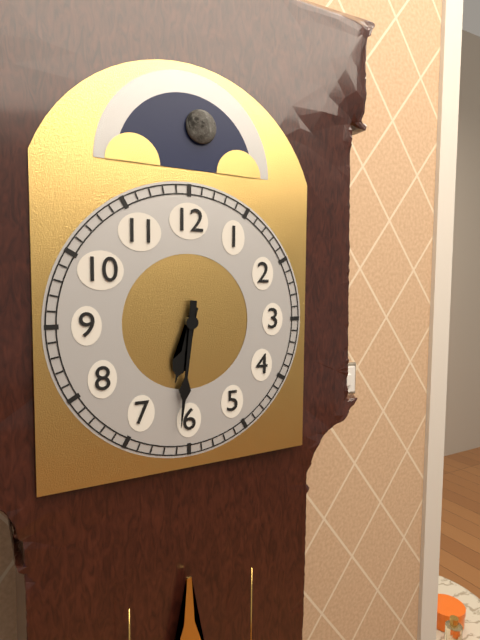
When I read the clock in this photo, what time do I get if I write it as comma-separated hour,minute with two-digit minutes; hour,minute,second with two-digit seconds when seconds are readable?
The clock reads 6,31
